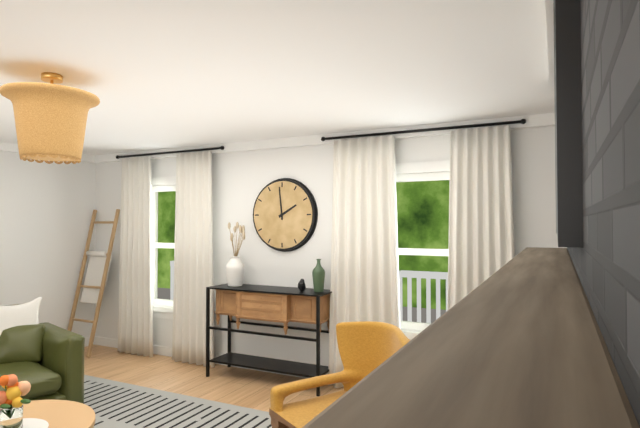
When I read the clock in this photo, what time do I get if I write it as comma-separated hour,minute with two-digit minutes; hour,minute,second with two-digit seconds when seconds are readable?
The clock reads 1,59
